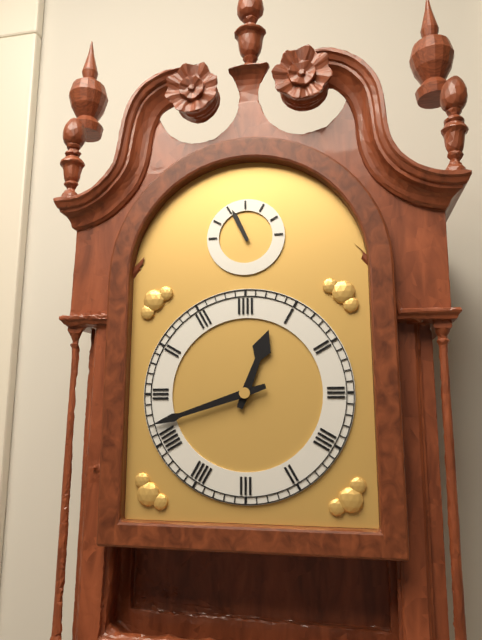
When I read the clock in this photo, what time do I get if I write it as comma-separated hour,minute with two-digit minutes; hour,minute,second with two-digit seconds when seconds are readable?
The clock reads 12,42
